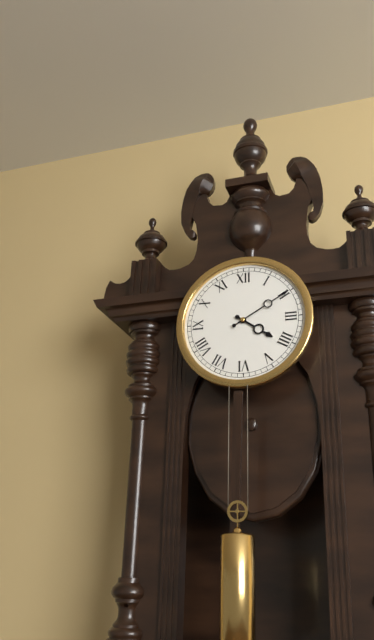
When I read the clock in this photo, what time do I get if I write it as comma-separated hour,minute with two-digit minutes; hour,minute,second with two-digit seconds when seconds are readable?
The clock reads 4,10
